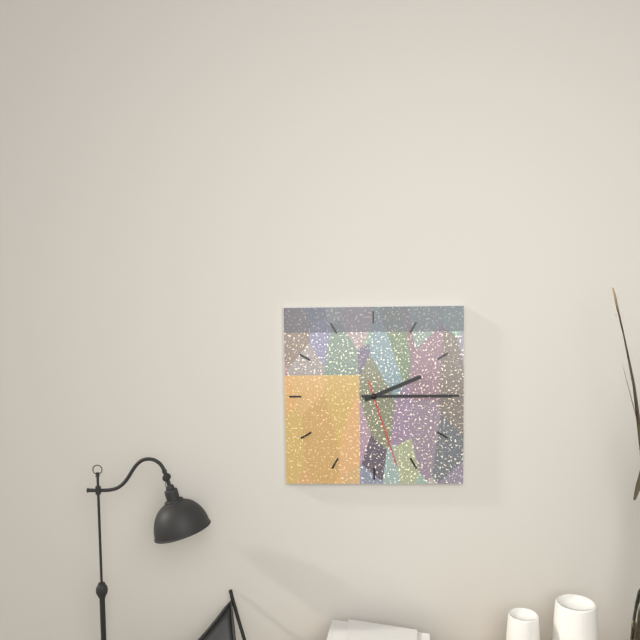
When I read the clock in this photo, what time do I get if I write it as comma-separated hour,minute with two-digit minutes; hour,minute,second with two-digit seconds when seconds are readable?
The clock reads 2,15,27
